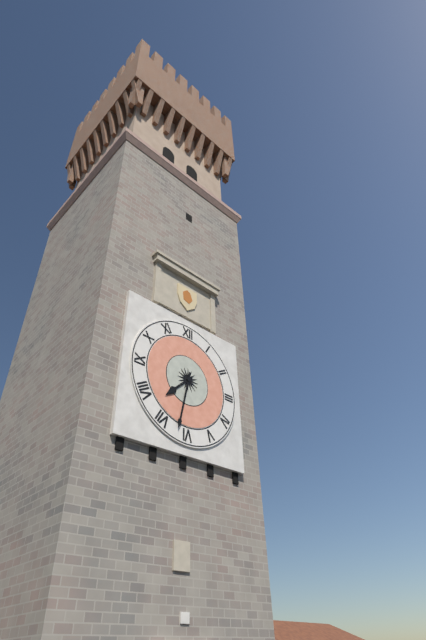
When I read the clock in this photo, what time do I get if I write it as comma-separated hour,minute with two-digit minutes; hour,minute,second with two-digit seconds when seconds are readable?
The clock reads 7,32
